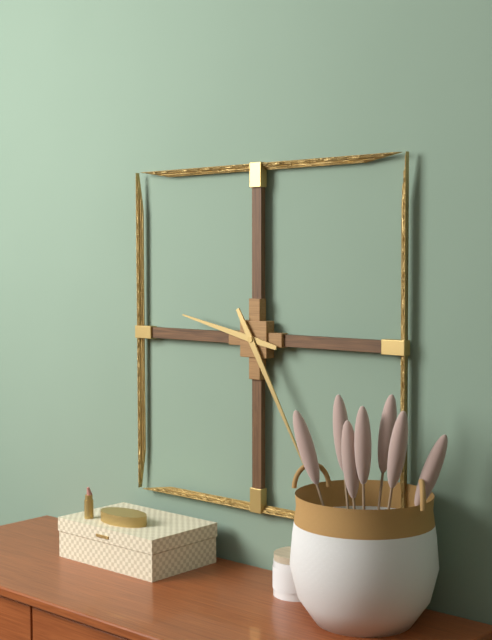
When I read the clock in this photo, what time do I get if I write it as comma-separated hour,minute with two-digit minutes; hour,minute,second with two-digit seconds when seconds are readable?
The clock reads 9,25
